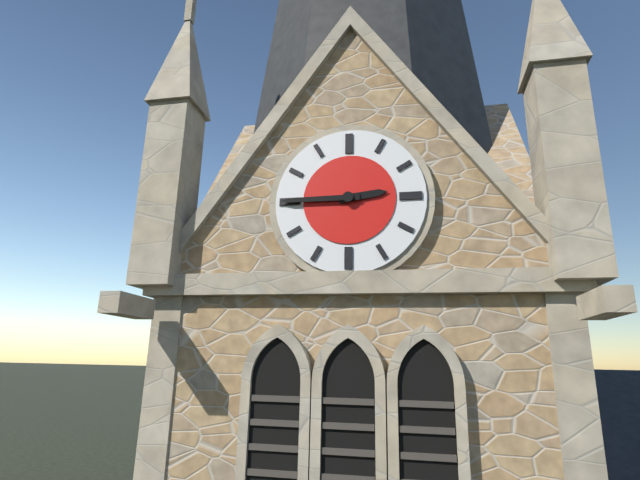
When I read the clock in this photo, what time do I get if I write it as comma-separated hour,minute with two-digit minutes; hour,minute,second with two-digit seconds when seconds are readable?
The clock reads 2,45
